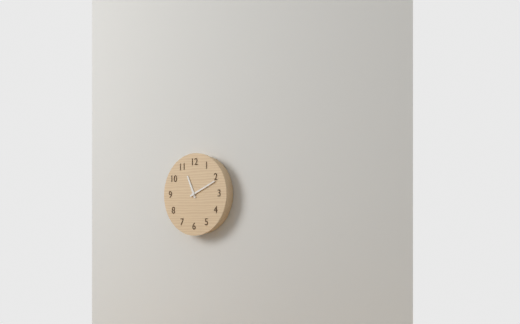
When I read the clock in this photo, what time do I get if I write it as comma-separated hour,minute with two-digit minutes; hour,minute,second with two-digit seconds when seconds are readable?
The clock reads 11,11
